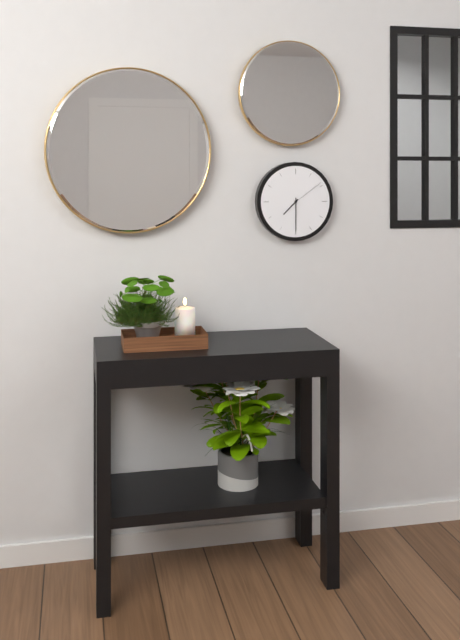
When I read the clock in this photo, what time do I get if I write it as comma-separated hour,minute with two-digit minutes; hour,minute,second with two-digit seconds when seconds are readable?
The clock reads 7,30
